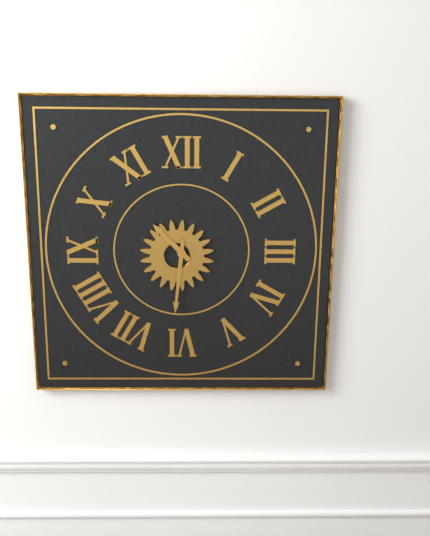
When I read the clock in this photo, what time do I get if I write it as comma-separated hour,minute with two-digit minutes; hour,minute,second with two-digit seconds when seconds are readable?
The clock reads 10,31
